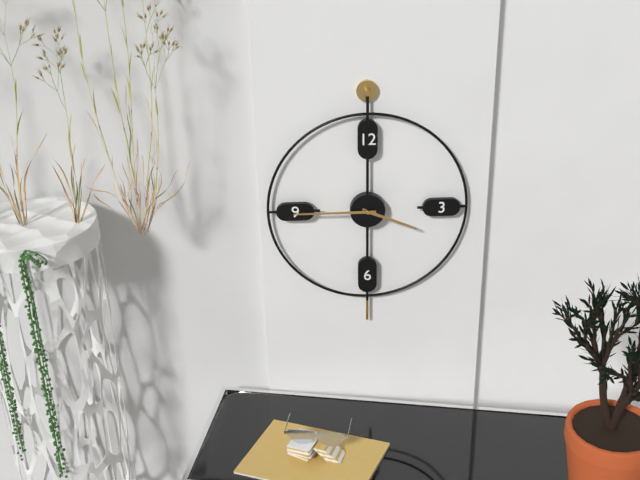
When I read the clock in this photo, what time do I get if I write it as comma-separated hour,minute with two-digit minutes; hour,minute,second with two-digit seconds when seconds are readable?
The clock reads 3,45
